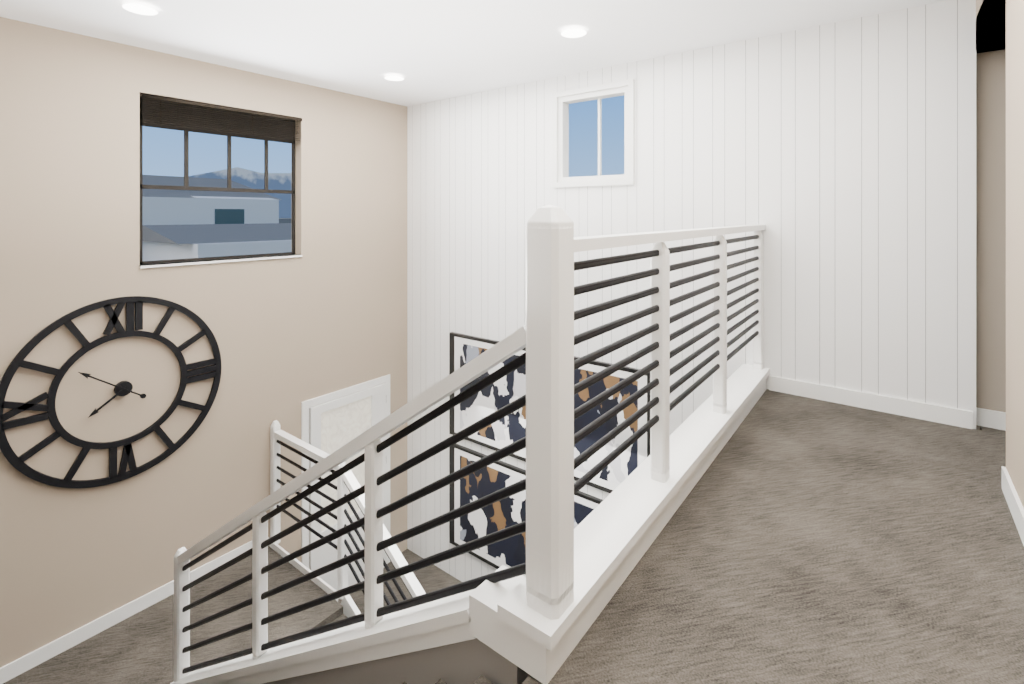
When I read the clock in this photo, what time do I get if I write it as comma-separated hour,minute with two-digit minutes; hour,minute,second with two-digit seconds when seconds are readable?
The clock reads 7,51
